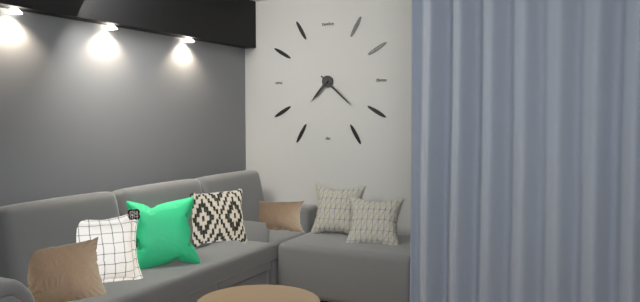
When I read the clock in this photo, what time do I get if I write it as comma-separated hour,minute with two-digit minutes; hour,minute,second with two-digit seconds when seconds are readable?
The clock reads 7,22
